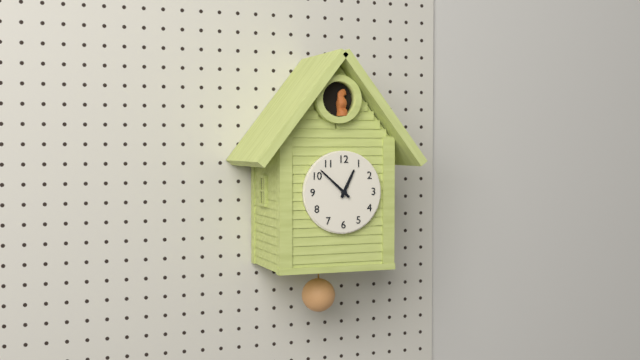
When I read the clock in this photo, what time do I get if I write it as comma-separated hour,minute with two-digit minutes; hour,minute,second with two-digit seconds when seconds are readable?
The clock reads 12,52
